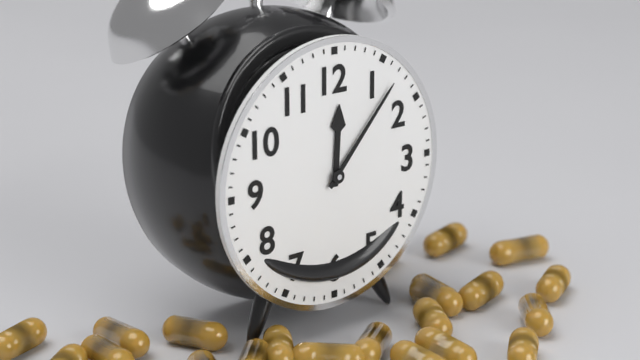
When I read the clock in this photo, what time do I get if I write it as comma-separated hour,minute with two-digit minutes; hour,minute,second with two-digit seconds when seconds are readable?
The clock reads 12,07
